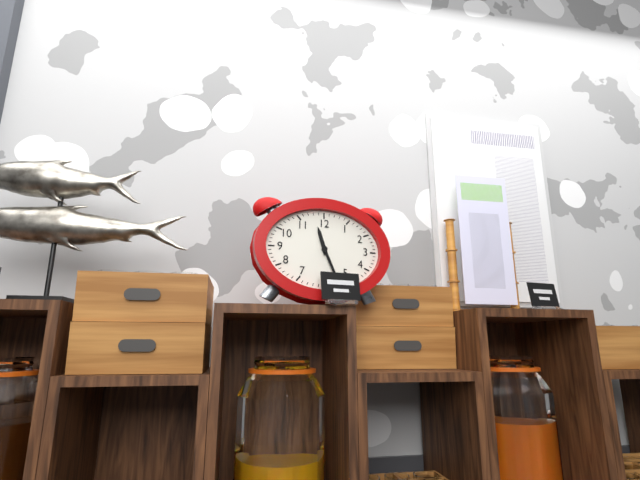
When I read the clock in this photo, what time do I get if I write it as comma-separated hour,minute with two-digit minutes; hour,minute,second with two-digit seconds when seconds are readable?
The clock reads 11,26
